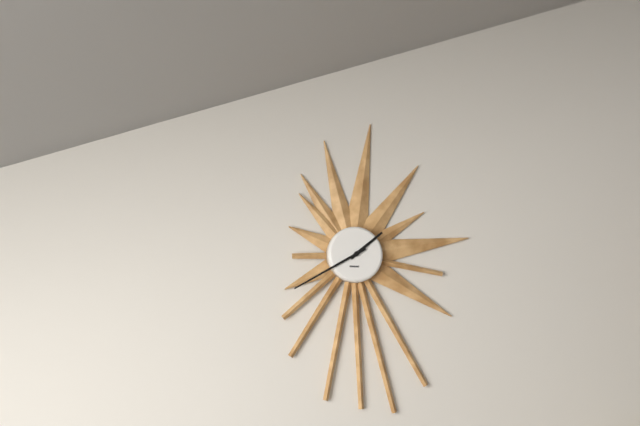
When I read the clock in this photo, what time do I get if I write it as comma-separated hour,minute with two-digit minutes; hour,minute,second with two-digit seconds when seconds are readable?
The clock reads 1,40
